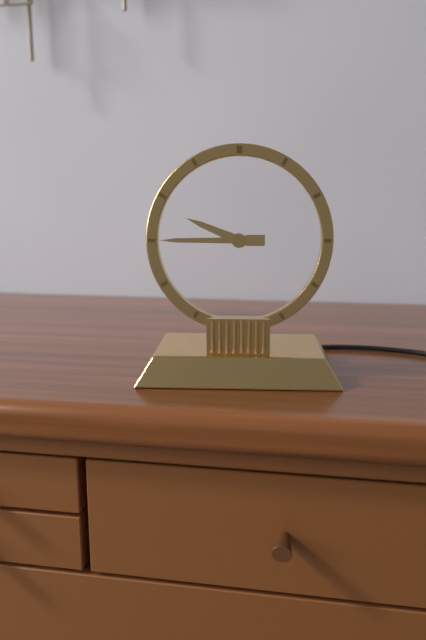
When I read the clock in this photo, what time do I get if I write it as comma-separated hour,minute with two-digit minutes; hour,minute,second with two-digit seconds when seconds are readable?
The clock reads 9,45
